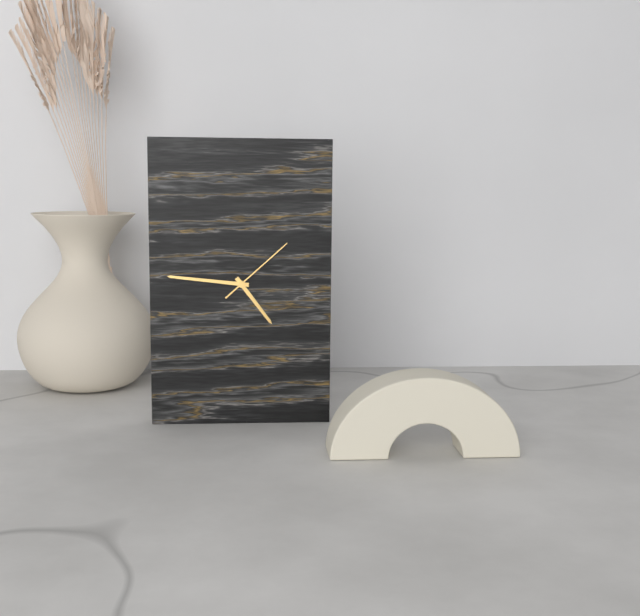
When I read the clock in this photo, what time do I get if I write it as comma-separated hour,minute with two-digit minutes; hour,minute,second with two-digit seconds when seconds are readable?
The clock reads 4,46,08
